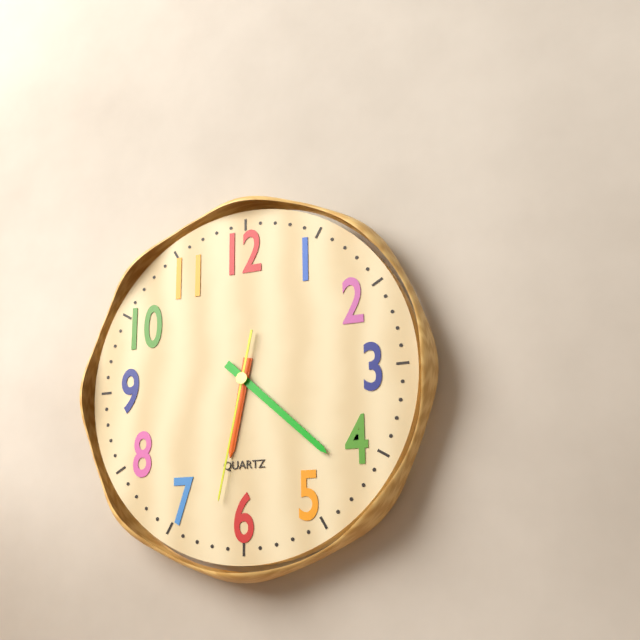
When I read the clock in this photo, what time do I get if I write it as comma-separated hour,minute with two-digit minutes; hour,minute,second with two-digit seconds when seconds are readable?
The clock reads 6,22,32
